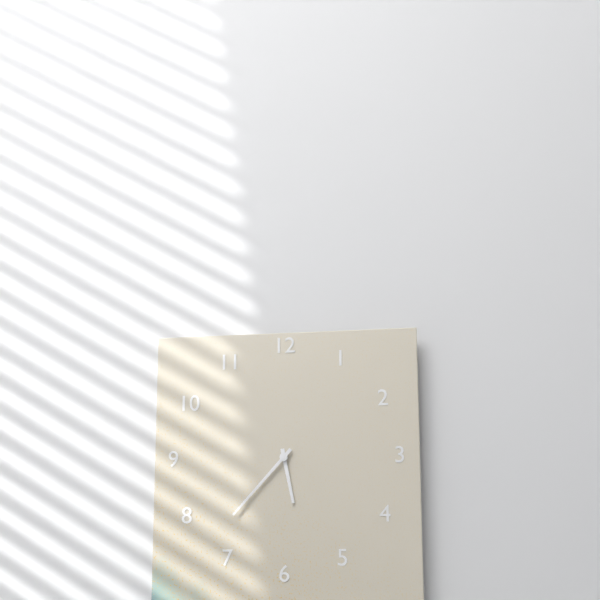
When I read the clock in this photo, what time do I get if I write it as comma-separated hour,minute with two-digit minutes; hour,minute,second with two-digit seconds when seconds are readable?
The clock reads 5,37
